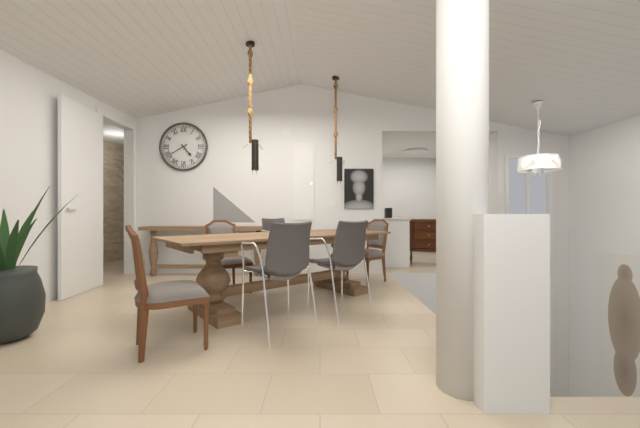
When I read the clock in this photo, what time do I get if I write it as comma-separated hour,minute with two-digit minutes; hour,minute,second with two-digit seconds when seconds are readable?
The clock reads 4,40
